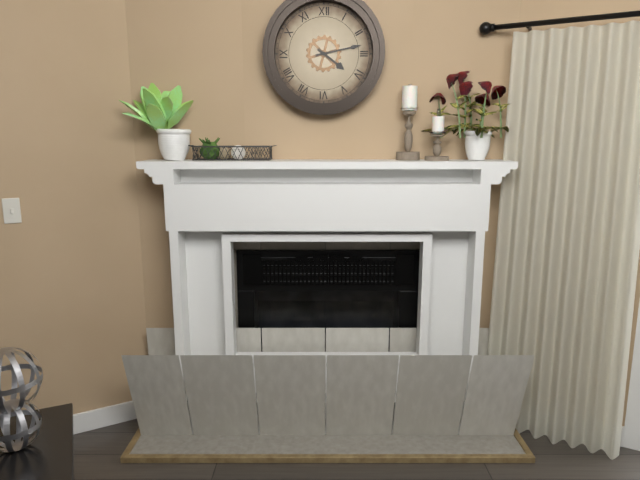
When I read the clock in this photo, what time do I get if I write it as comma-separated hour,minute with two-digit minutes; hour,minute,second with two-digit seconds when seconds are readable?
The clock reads 4,13
